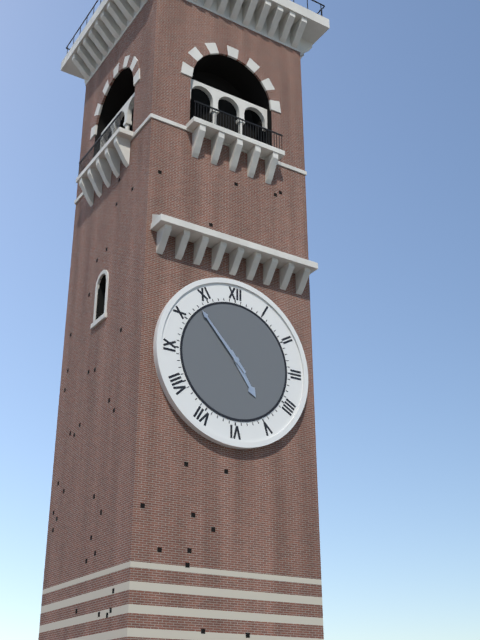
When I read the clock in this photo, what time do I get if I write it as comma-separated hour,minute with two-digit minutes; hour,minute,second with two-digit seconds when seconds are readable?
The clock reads 4,53
